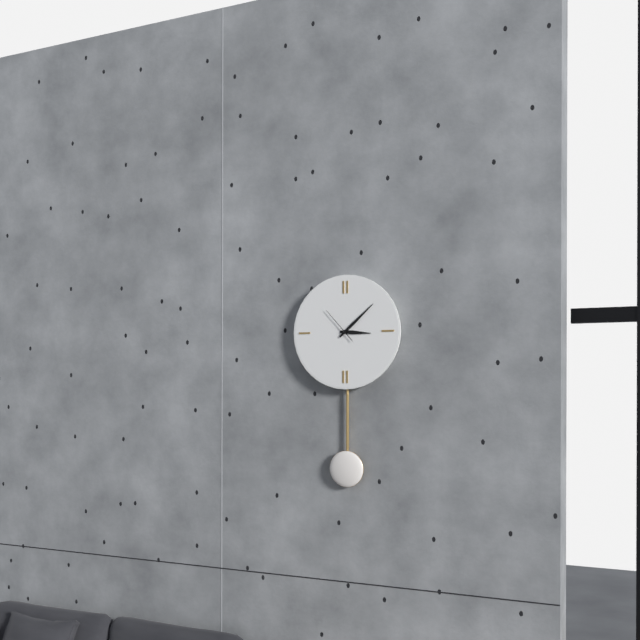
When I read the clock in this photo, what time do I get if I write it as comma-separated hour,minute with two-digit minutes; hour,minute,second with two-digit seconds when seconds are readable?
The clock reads 3,08
